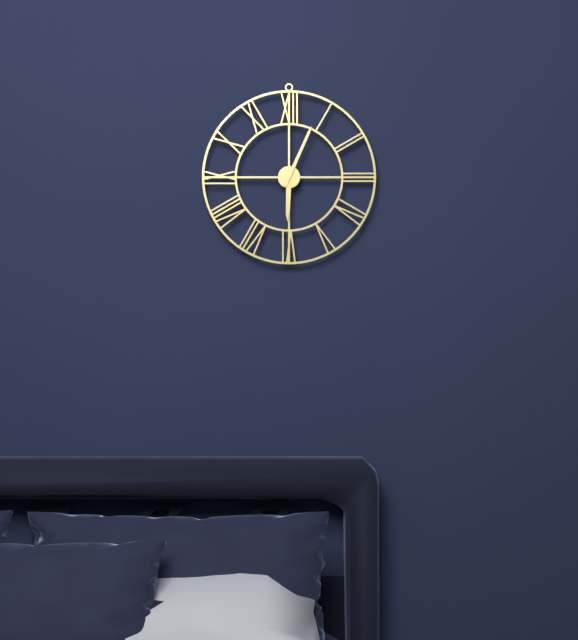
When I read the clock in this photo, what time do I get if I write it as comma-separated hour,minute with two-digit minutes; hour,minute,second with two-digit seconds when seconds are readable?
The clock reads 6,04
